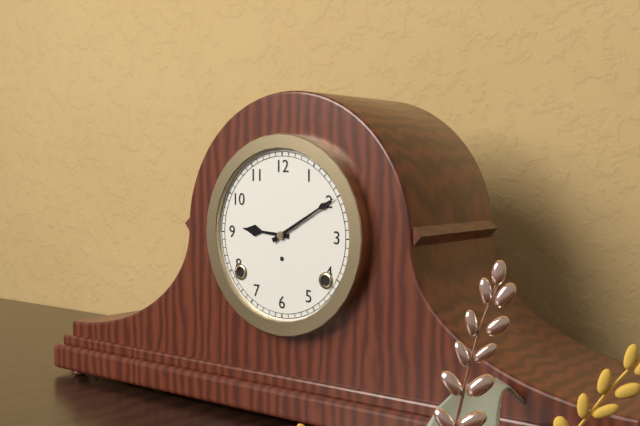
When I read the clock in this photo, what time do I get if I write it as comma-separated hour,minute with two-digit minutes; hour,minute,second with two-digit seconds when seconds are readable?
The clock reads 9,10
